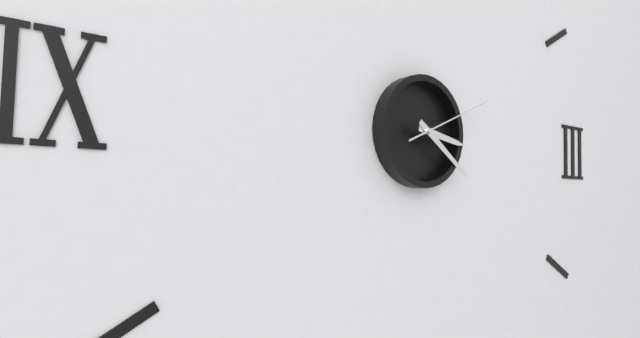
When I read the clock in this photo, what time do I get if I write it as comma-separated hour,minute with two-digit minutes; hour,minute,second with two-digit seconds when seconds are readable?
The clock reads 3,21,11
